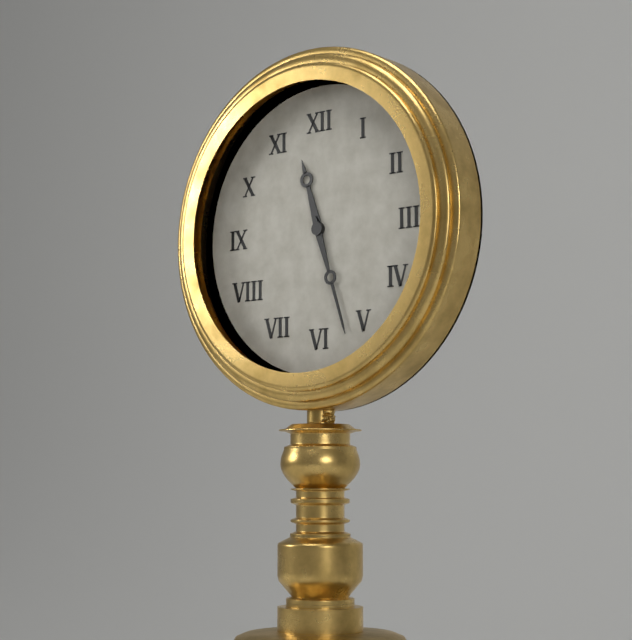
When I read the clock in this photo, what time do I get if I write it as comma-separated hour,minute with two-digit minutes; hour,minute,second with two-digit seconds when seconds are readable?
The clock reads 11,27
